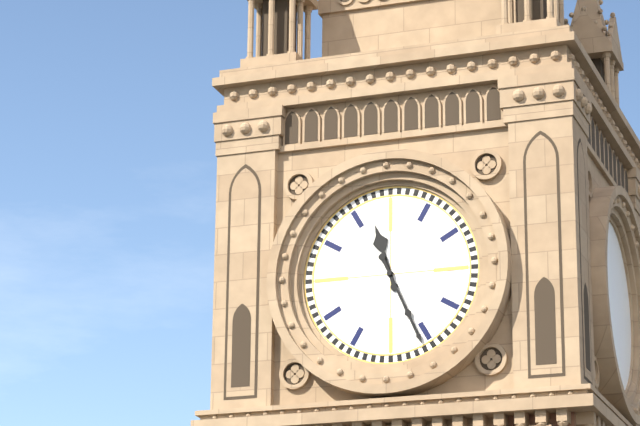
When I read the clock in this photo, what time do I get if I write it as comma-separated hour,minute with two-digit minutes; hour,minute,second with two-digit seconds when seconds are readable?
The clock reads 11,26
